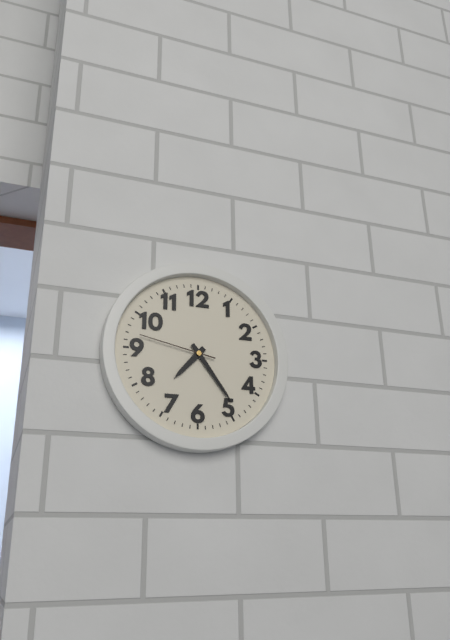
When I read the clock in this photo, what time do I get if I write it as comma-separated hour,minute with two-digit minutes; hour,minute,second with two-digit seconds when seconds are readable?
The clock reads 7,24,47
